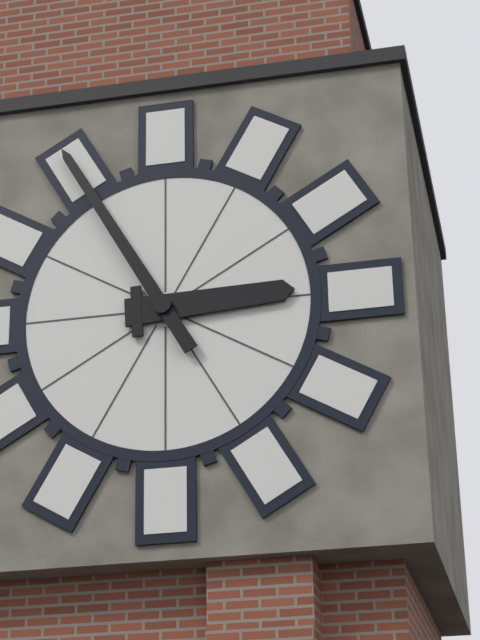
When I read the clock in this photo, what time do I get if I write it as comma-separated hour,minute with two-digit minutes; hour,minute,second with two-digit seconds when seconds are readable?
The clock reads 2,55
